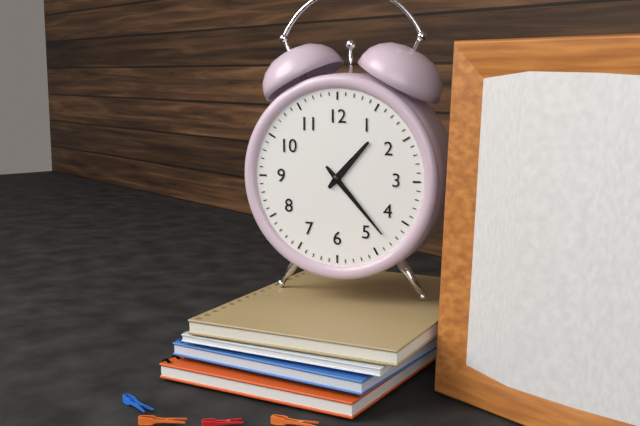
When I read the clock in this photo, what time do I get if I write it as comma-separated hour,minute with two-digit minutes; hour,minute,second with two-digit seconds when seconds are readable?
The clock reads 1,23
